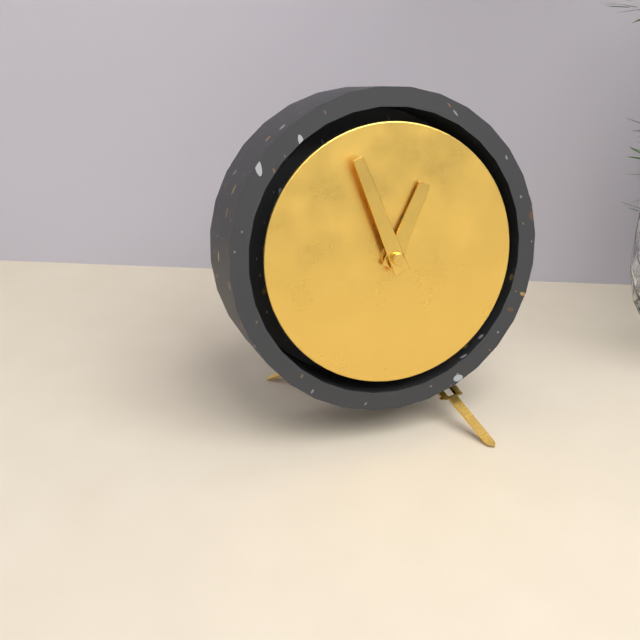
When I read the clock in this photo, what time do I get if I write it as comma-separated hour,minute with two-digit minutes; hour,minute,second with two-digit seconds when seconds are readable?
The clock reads 12,57
